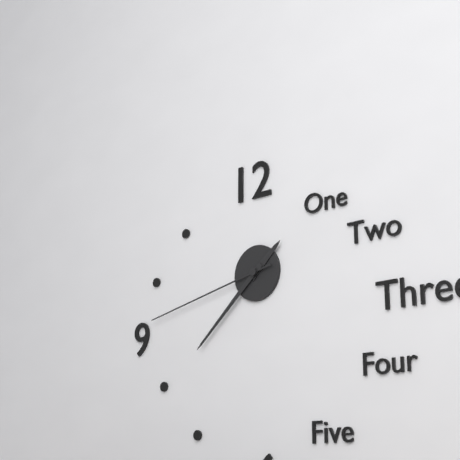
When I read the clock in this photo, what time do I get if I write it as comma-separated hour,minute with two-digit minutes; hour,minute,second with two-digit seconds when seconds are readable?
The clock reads 1,38,43
